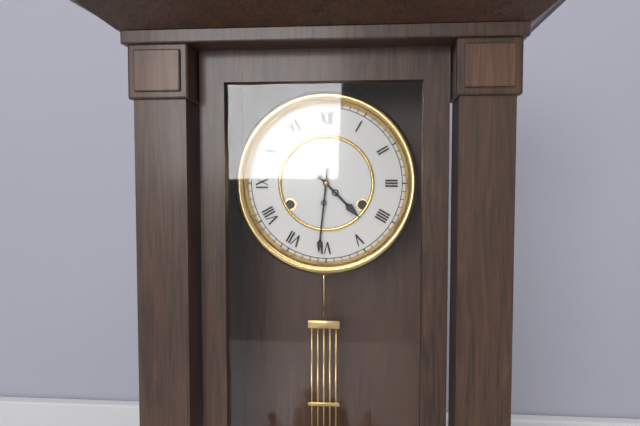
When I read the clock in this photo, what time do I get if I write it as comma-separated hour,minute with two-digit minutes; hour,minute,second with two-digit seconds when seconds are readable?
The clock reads 4,31
